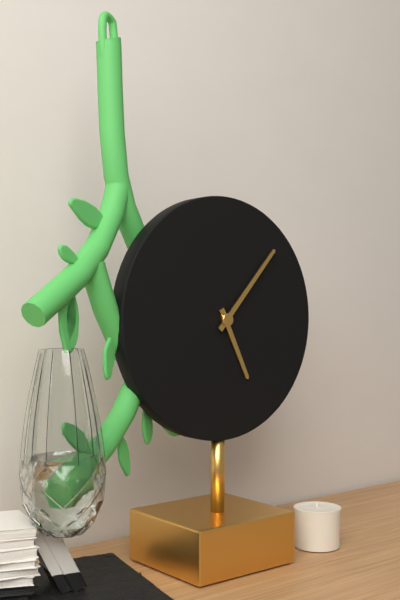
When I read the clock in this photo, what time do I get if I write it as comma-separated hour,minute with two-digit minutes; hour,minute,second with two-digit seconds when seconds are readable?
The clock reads 5,07
